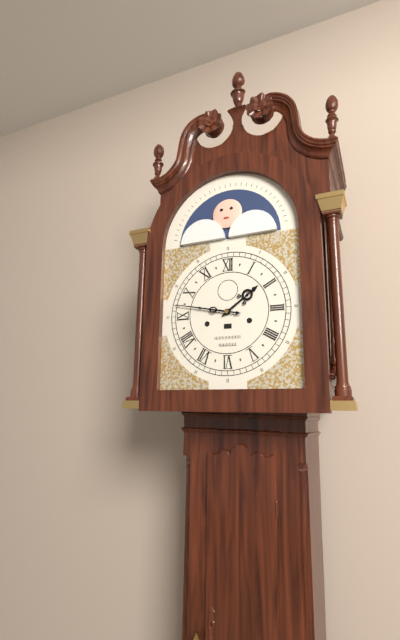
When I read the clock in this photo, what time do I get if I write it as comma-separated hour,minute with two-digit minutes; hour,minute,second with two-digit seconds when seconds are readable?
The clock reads 1,47
